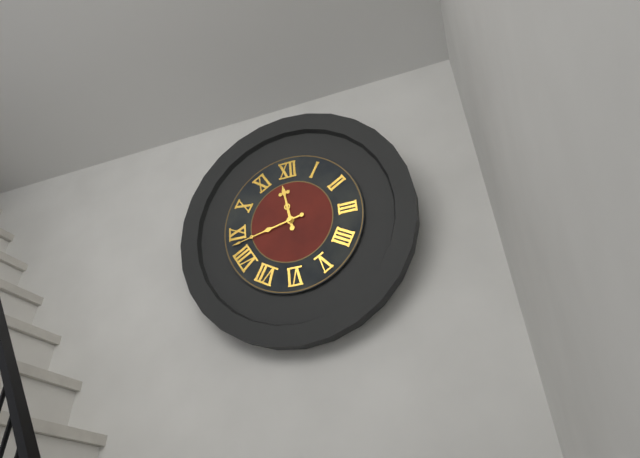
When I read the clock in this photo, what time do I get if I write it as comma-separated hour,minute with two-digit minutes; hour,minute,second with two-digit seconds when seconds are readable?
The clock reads 11,43
